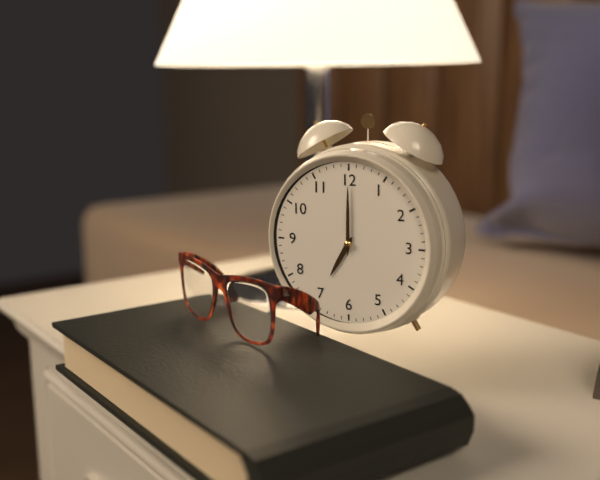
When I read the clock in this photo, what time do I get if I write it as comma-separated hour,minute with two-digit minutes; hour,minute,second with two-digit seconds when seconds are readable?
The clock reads 7,00
